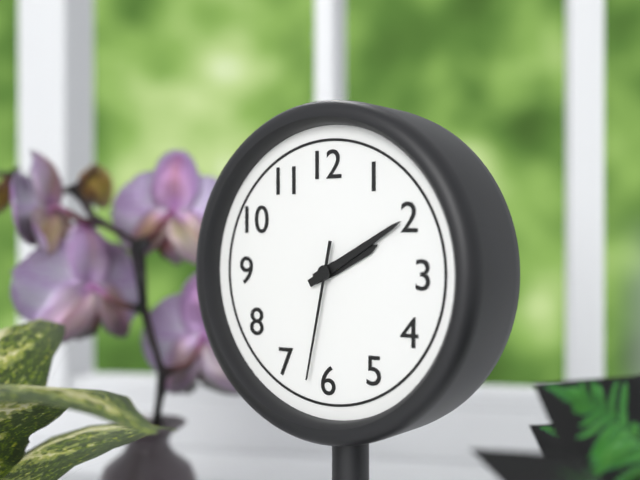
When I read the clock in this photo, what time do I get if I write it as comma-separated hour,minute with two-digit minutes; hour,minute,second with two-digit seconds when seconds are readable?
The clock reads 2,10,32
